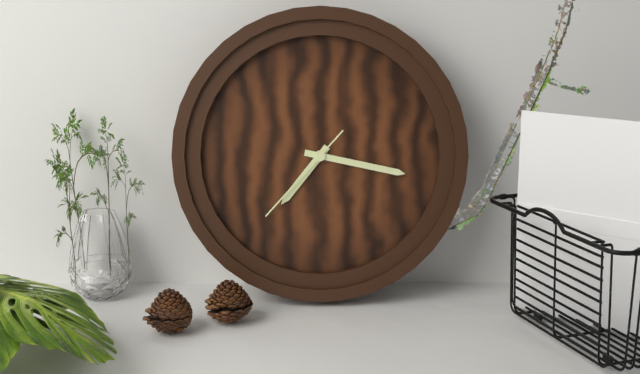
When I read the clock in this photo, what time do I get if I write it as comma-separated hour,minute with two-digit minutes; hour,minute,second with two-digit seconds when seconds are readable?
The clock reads 7,17,37
